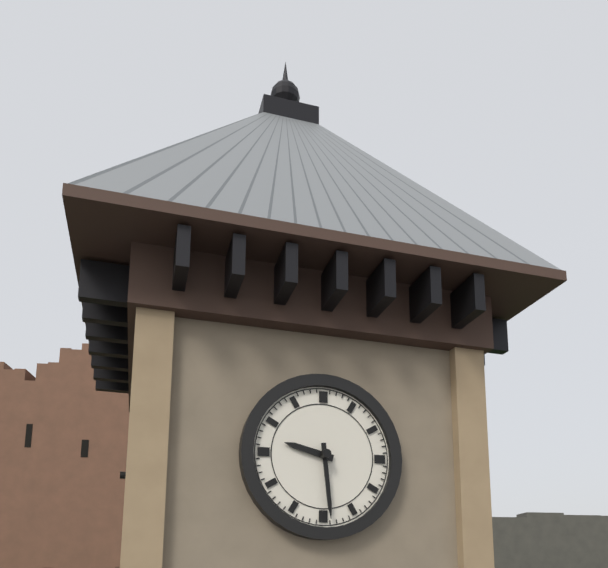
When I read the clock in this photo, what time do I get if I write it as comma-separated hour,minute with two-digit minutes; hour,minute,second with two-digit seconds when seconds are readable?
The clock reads 9,29
